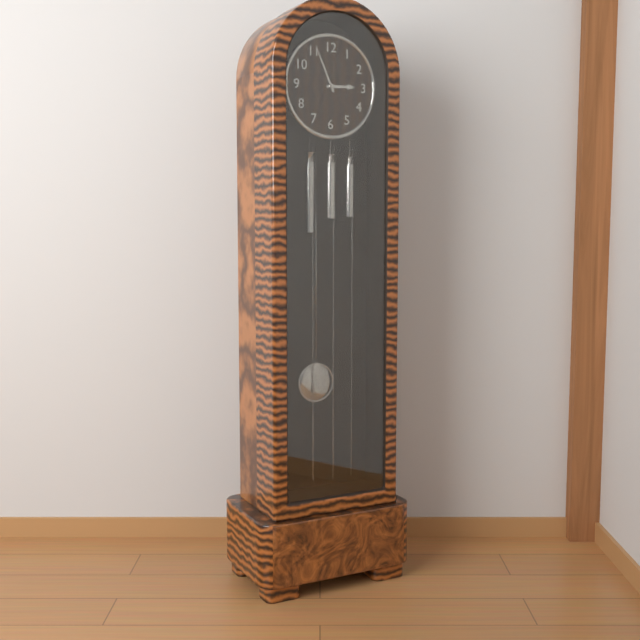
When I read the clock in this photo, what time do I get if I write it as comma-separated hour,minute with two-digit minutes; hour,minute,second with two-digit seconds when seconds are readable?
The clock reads 2,56
